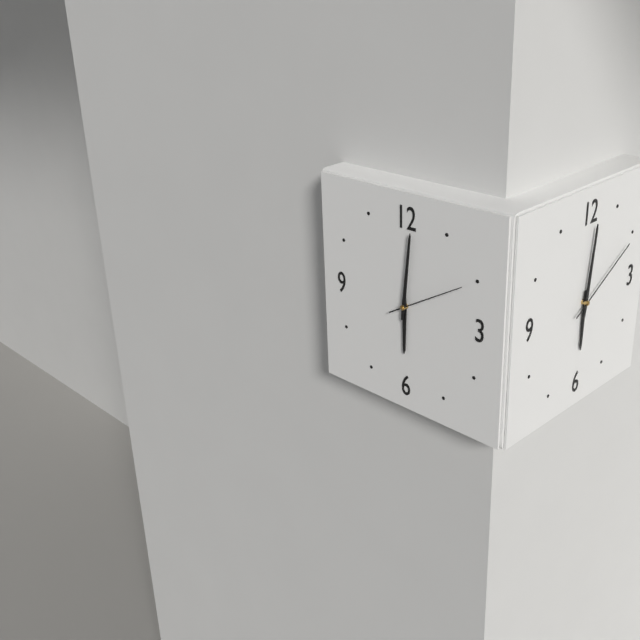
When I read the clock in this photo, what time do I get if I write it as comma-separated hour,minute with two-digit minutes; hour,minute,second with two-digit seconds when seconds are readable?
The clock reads 6,01,10
